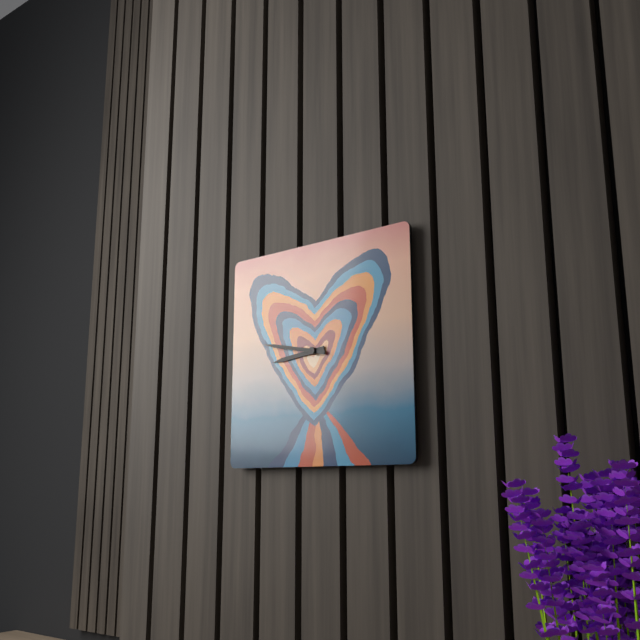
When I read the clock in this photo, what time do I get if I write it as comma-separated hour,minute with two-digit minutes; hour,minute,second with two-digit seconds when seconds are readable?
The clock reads 8,47
